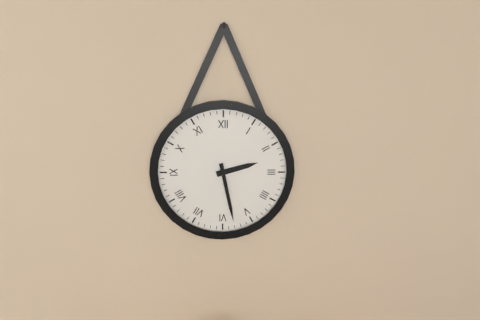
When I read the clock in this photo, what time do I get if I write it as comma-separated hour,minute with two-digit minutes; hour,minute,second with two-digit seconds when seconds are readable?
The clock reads 2,28
